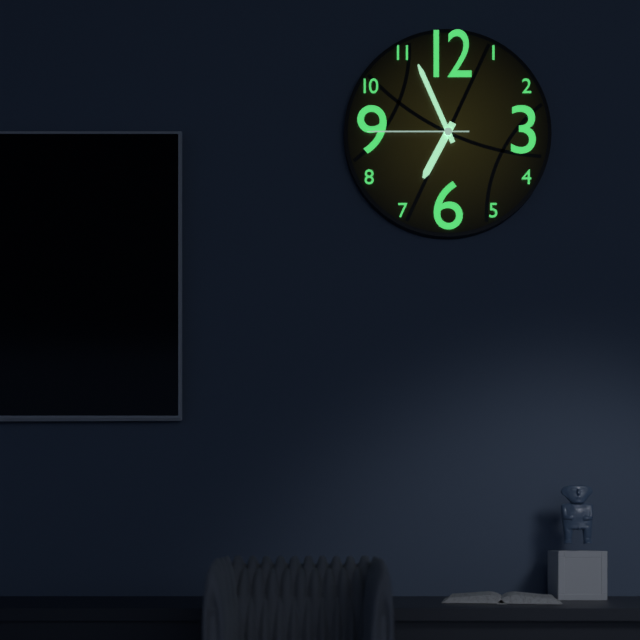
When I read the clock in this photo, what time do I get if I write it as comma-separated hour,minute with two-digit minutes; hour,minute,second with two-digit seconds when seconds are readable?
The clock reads 6,56,45
